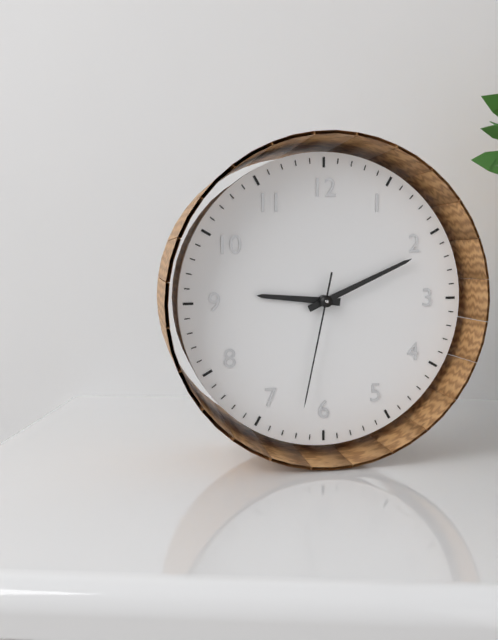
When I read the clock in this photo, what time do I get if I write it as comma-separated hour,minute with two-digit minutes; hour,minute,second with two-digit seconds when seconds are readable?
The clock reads 9,11,32
